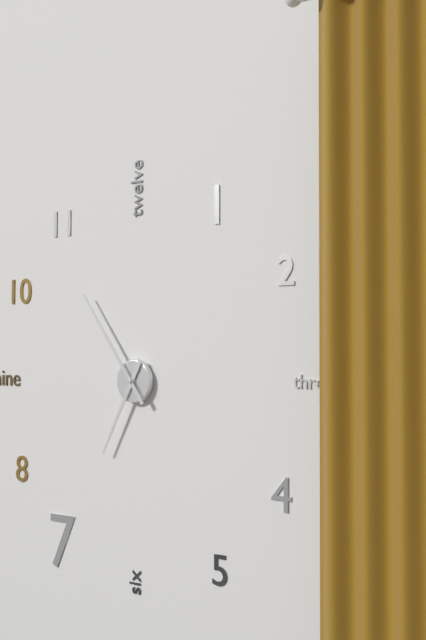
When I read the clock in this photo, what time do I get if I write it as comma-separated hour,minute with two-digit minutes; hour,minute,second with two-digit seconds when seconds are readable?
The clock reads 6,54
